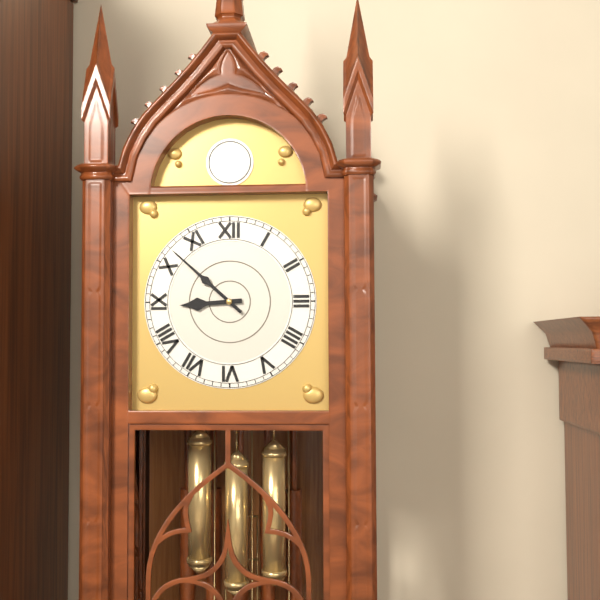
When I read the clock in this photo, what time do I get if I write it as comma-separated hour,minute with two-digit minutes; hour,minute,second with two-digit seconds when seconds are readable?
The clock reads 8,52
